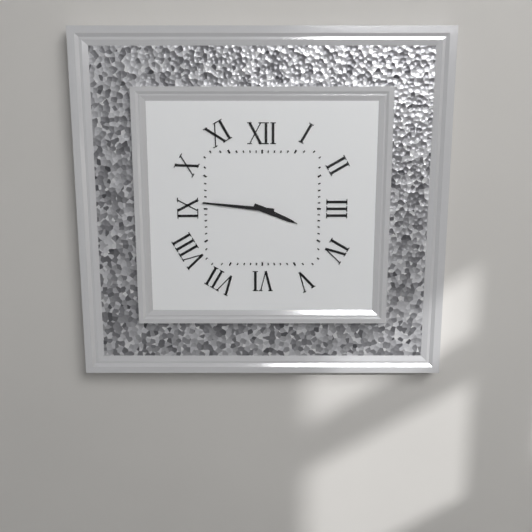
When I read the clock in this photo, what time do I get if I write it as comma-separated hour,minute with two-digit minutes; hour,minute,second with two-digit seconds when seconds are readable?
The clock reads 3,46
